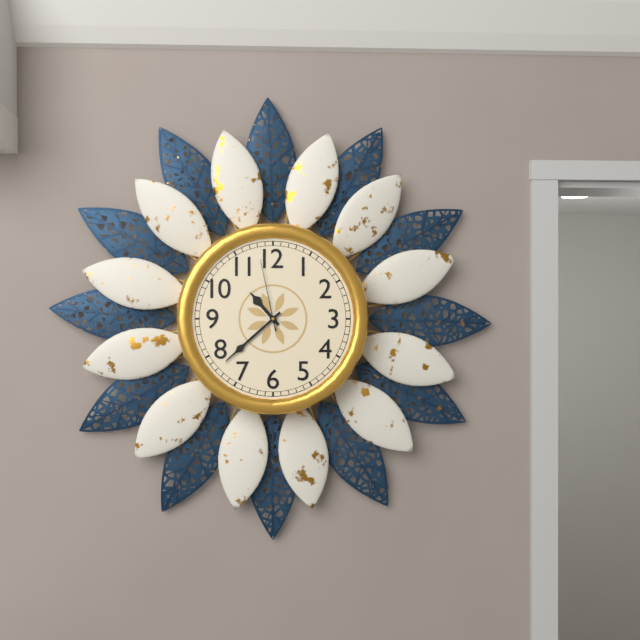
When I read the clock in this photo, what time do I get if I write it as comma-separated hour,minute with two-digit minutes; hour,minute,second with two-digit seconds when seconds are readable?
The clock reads 10,38,58
